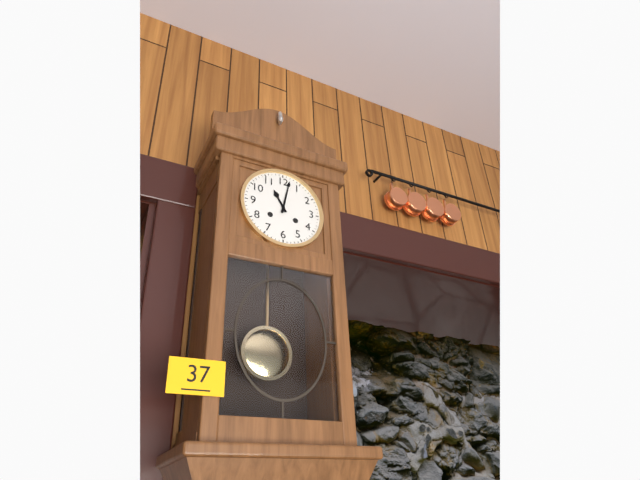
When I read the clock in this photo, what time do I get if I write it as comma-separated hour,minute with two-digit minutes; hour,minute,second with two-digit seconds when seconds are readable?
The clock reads 11,02
